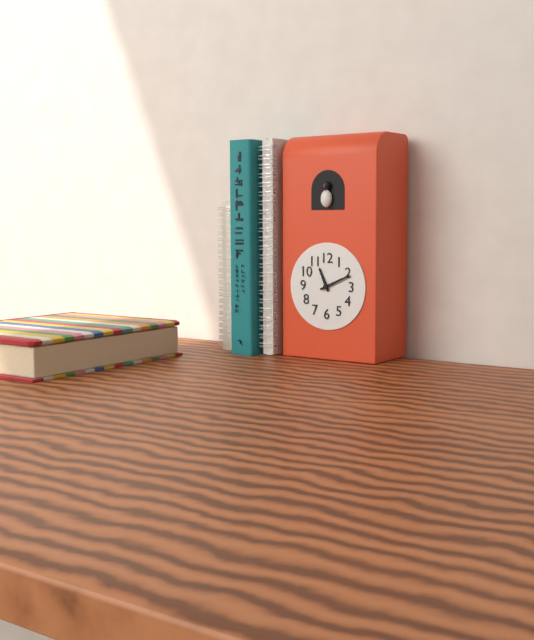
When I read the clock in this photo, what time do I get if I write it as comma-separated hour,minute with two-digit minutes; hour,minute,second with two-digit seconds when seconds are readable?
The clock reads 11,11
